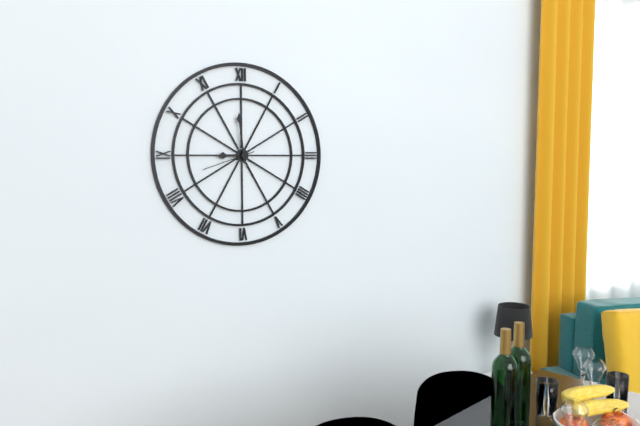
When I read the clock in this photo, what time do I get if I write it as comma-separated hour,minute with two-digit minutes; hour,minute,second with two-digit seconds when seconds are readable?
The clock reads 8,59,42
